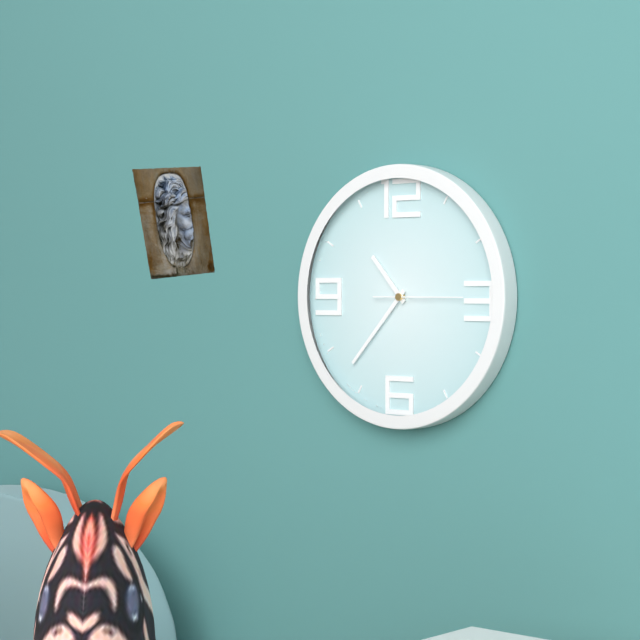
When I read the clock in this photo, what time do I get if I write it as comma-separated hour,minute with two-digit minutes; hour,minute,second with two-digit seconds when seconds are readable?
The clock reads 10,37,15
